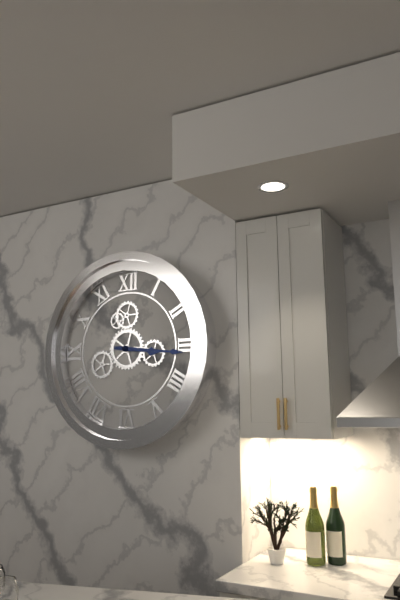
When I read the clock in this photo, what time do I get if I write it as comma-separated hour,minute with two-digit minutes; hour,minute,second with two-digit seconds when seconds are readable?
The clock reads 3,16
